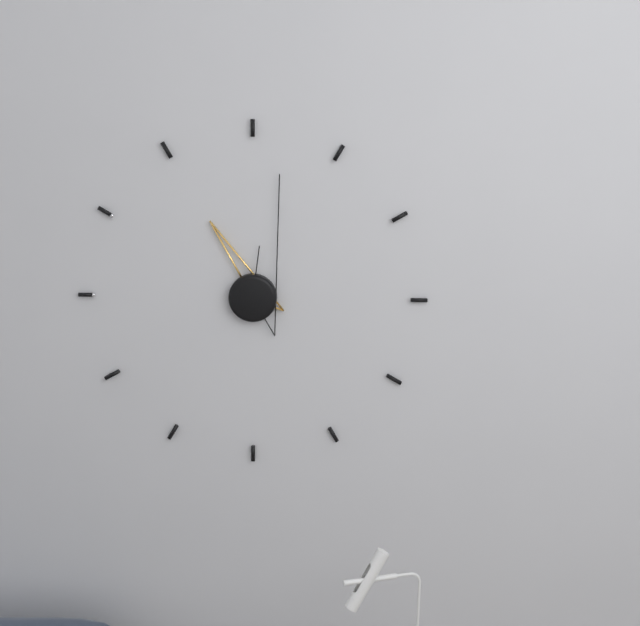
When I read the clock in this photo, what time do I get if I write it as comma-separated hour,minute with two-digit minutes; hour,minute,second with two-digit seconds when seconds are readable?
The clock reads 11,02
